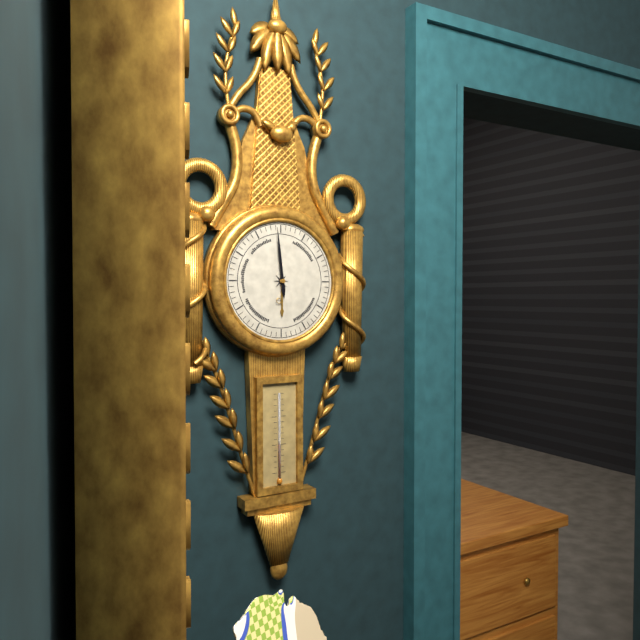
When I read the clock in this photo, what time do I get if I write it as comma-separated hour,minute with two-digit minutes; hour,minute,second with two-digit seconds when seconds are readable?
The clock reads 5,59
